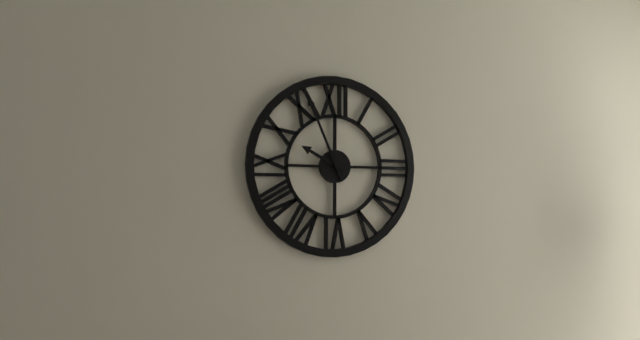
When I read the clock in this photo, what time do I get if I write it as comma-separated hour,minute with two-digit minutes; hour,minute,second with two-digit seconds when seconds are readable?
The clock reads 9,56
